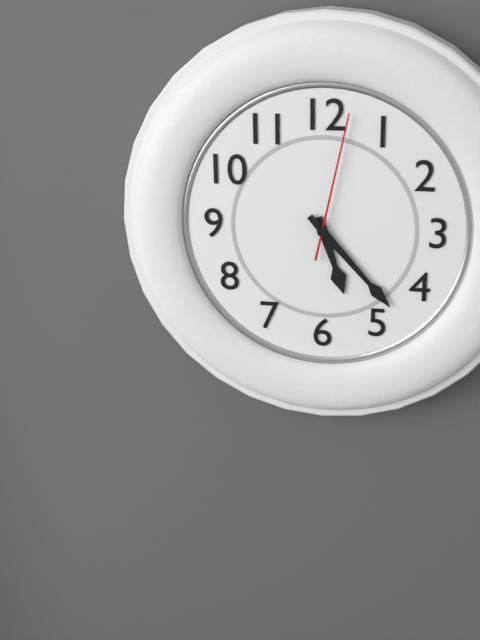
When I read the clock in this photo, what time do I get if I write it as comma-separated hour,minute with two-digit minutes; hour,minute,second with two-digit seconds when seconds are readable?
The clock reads 5,23,02
